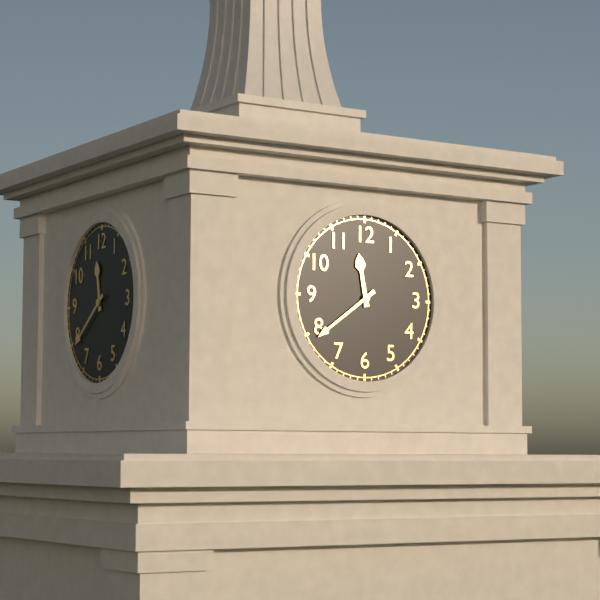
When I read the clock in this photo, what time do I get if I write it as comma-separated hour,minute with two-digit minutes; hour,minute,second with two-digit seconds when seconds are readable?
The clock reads 11,39
